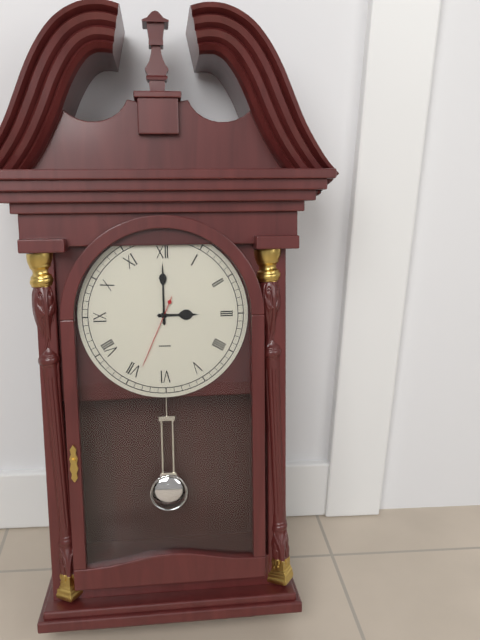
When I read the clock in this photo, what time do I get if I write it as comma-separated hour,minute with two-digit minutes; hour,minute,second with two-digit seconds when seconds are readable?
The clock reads 3,00,34
